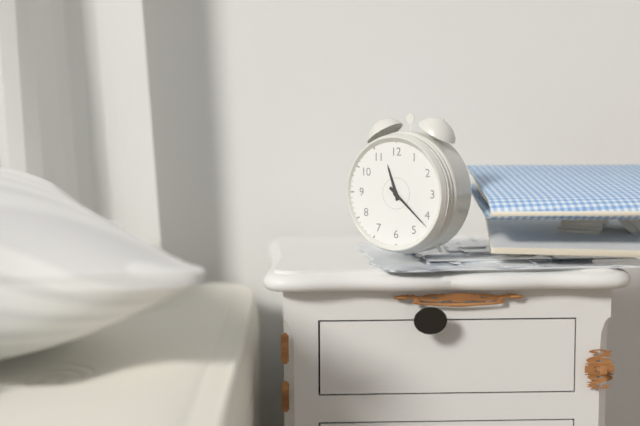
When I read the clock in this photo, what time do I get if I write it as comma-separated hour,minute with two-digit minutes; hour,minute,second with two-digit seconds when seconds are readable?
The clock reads 11,22
